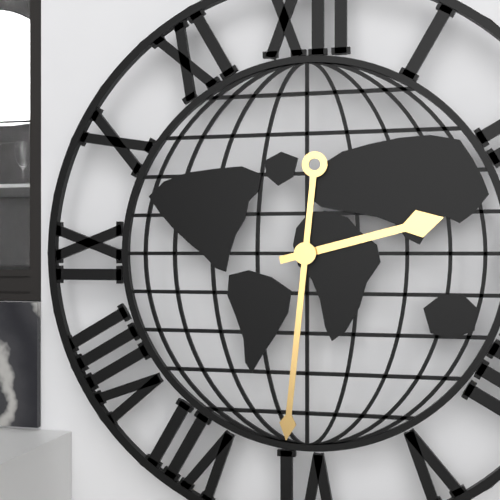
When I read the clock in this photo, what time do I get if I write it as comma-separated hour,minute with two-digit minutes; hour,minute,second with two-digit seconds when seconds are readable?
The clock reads 2,31
